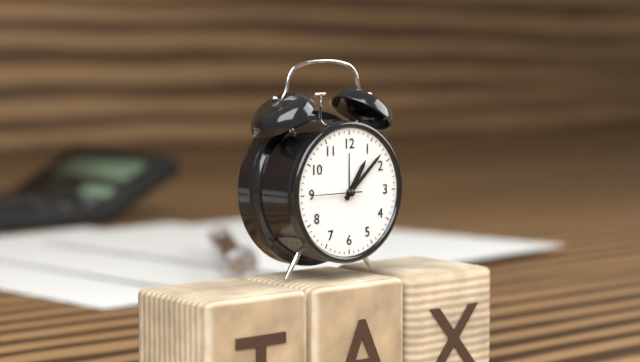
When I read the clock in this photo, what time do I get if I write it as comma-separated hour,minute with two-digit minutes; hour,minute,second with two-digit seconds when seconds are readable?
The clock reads 1,08,45
